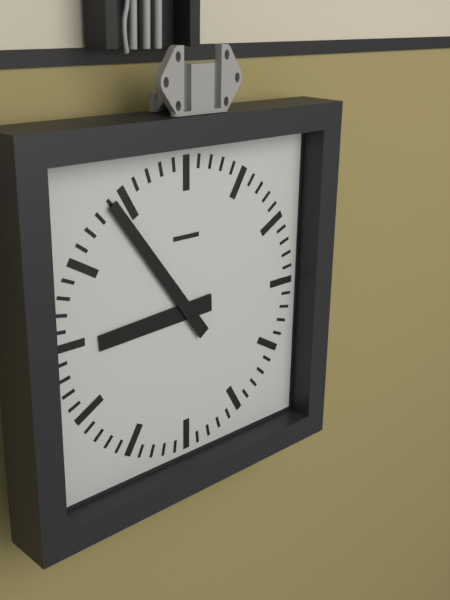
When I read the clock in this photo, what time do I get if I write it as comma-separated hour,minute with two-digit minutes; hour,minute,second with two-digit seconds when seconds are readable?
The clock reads 8,54
